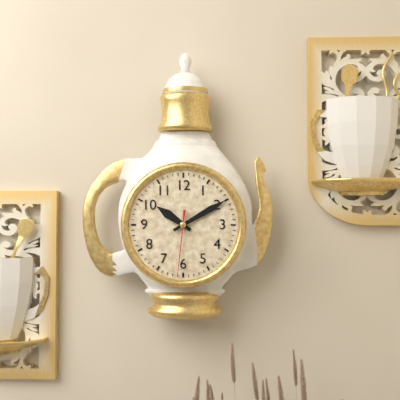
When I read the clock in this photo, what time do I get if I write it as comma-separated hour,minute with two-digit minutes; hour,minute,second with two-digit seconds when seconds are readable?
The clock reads 10,10,31
